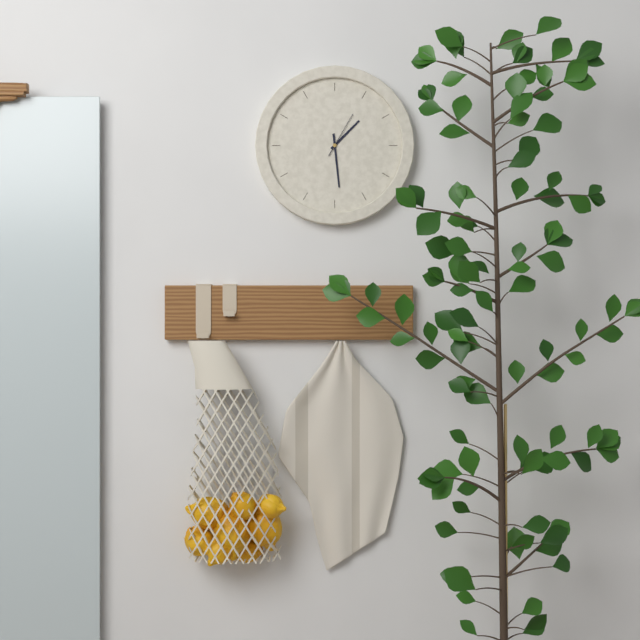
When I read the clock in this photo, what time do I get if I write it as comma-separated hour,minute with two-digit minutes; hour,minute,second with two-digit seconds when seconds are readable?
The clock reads 1,29
